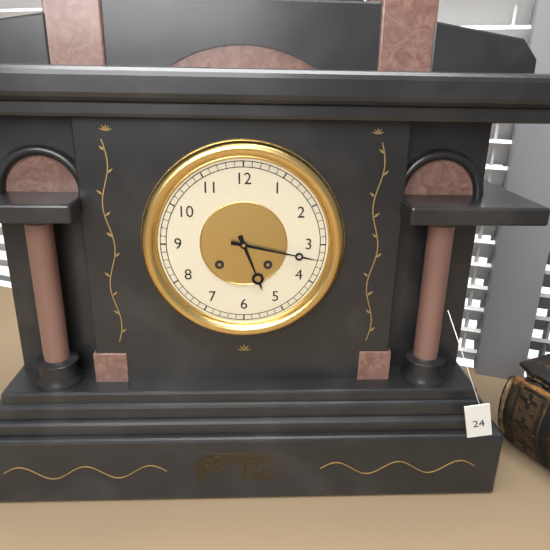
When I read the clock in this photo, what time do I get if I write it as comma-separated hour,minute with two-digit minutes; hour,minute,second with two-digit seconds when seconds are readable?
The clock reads 5,17
